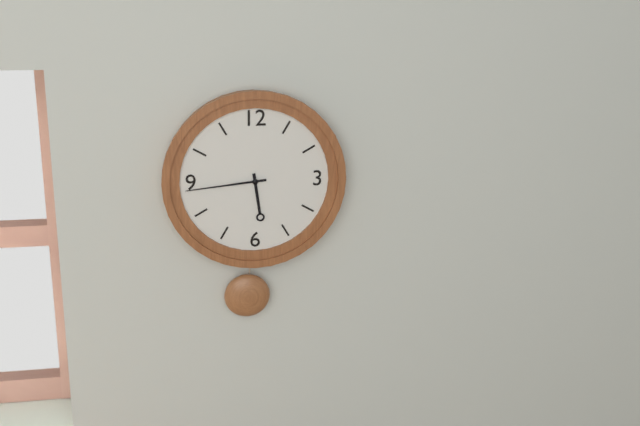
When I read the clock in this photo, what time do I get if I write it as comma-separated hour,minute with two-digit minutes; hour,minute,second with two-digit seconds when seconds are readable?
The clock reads 5,44
